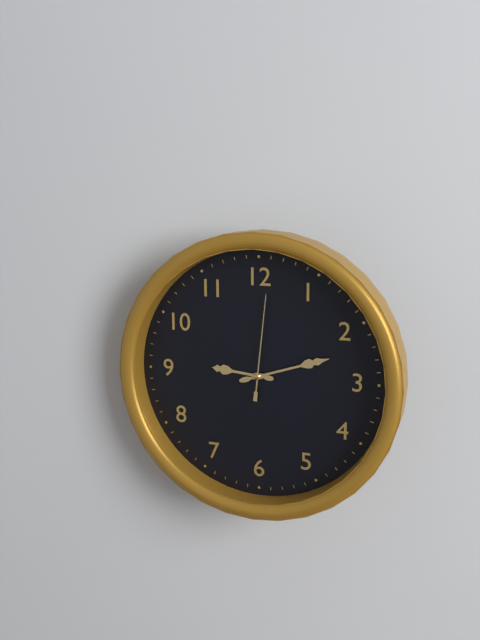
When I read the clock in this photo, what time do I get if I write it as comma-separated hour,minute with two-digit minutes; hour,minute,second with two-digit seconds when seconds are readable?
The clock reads 9,12,01
